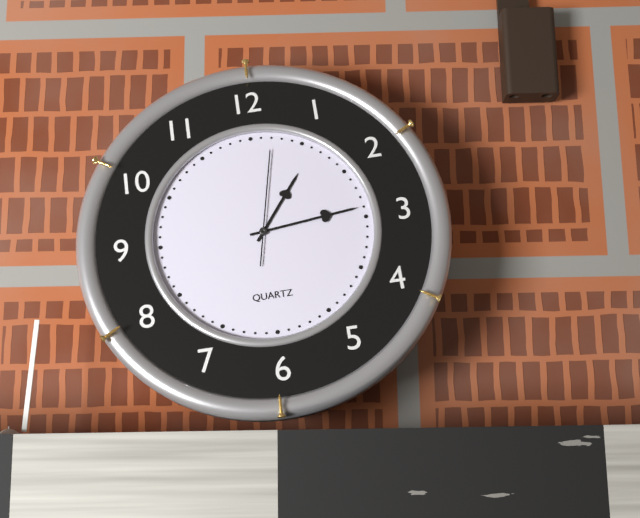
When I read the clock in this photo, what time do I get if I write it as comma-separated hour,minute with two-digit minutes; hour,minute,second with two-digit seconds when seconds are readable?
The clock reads 1,14,02
